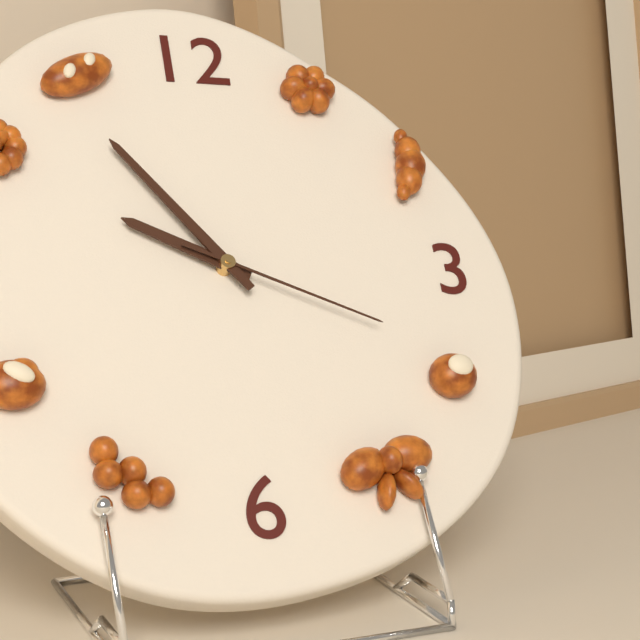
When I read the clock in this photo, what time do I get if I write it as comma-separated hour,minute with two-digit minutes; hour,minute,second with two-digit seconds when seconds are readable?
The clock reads 9,54,19
